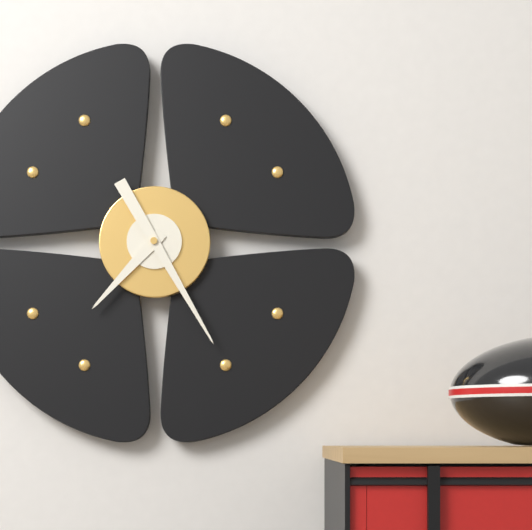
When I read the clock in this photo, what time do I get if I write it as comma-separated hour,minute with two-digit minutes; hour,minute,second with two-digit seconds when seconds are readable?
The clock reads 7,25
